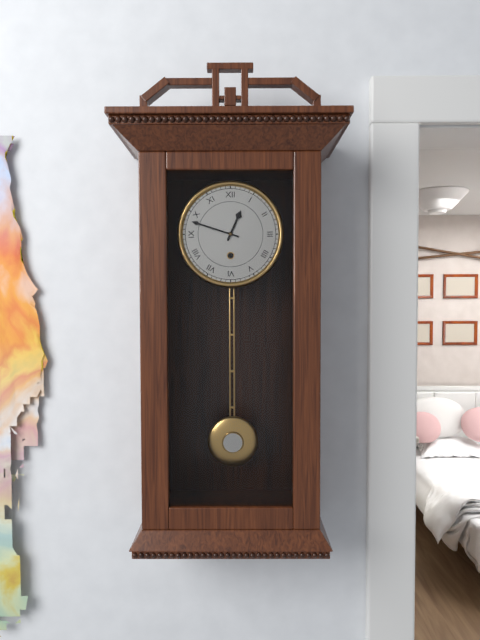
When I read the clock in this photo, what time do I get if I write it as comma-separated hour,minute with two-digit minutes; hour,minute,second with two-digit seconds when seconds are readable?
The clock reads 12,48
